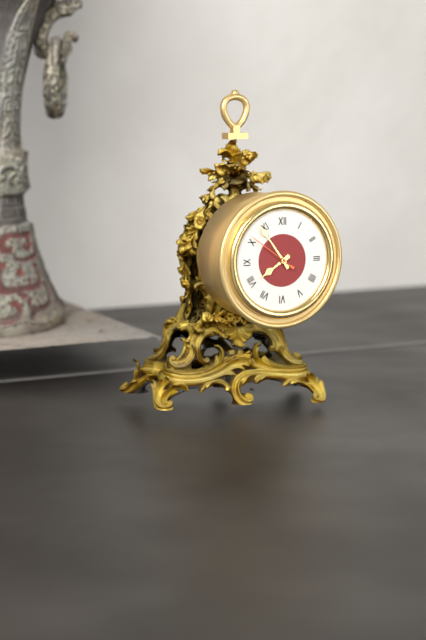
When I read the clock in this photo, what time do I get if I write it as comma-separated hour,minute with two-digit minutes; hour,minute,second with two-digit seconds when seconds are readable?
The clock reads 7,54
